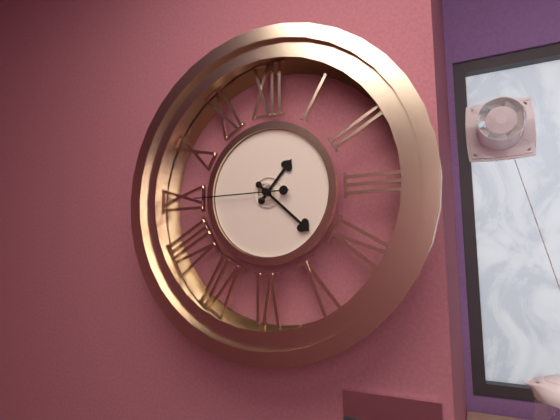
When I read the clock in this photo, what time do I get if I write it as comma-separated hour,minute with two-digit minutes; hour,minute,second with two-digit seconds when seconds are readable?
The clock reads 1,22,45
